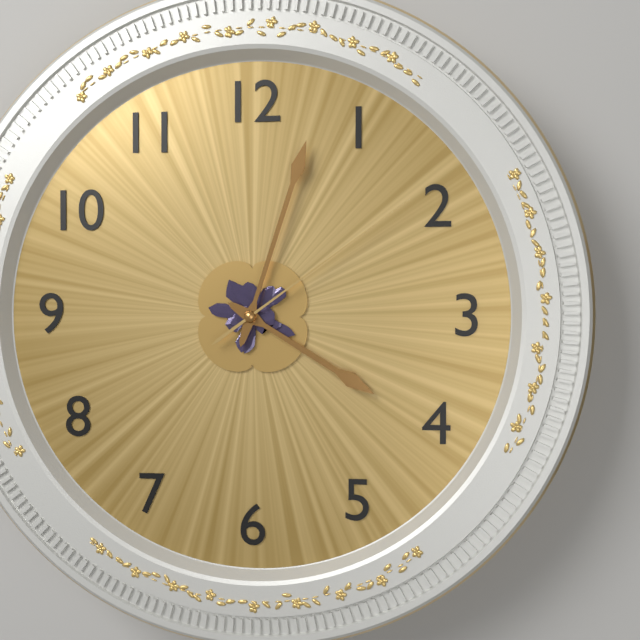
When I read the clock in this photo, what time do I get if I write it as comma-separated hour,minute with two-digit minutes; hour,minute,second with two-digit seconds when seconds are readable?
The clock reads 4,03,09
